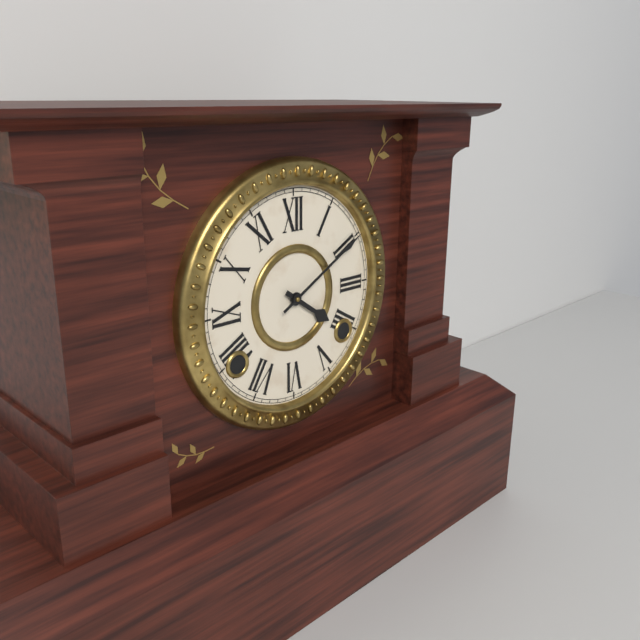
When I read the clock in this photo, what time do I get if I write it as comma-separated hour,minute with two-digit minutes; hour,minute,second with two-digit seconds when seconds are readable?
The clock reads 4,10
